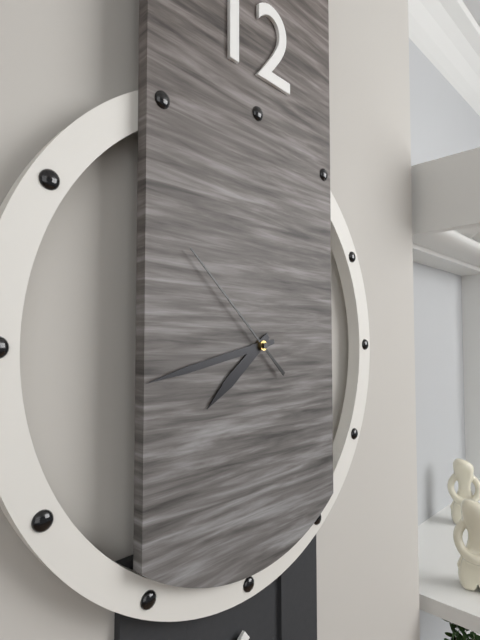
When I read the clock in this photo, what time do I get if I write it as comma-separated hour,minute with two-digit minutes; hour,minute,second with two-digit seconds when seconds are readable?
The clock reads 7,43,52
